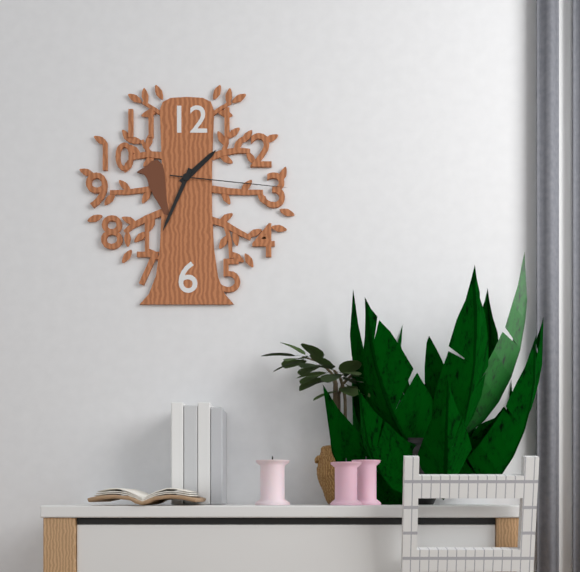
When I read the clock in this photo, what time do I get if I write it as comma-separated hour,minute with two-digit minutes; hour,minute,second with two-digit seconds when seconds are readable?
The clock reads 1,34,16
